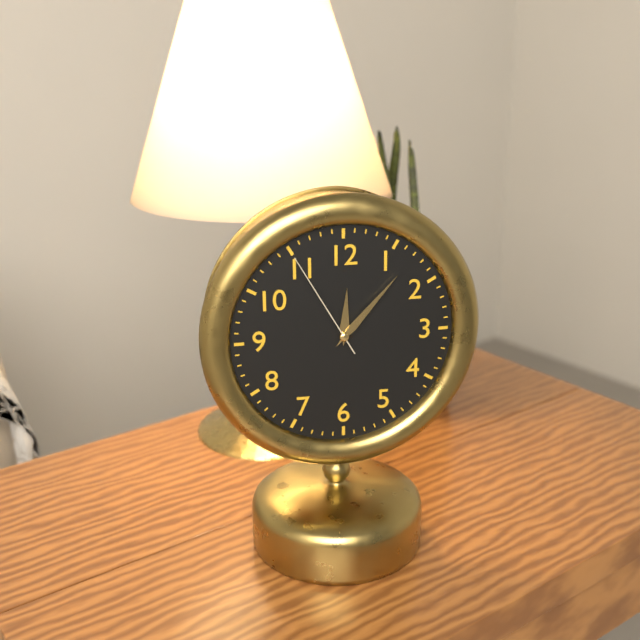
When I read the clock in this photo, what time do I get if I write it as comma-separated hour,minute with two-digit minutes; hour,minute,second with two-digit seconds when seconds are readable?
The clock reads 12,07,55
